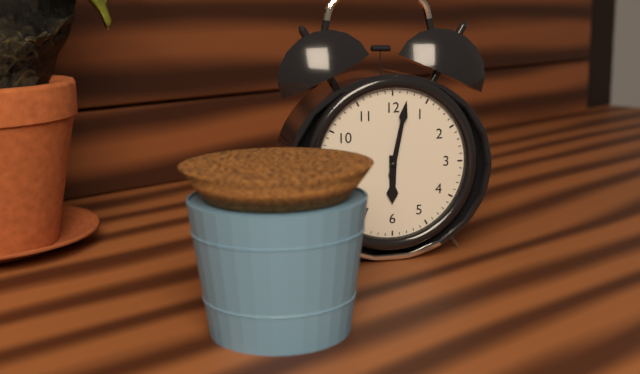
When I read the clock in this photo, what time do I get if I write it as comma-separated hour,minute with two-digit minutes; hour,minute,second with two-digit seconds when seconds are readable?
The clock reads 6,02
